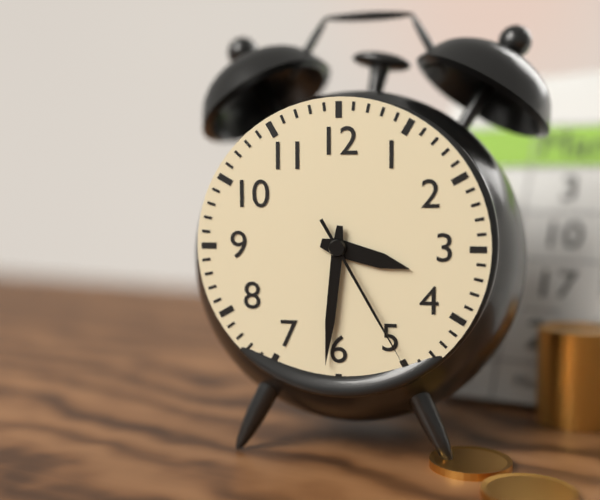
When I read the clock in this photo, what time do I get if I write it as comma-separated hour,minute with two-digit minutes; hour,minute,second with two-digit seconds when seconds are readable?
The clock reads 3,31,25
